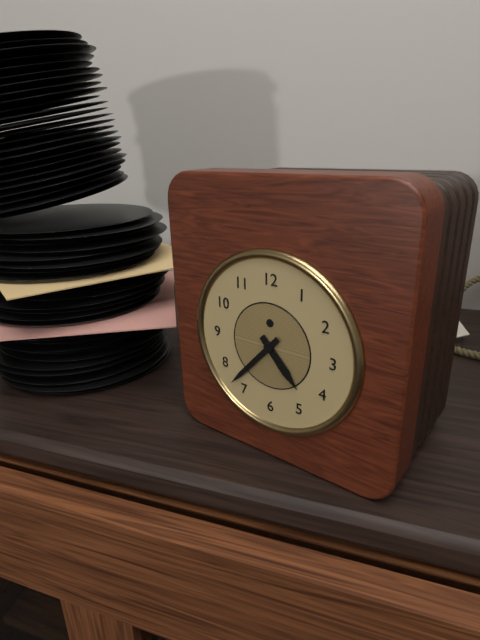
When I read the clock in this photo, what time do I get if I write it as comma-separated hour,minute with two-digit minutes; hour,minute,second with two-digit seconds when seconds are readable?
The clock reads 4,37
